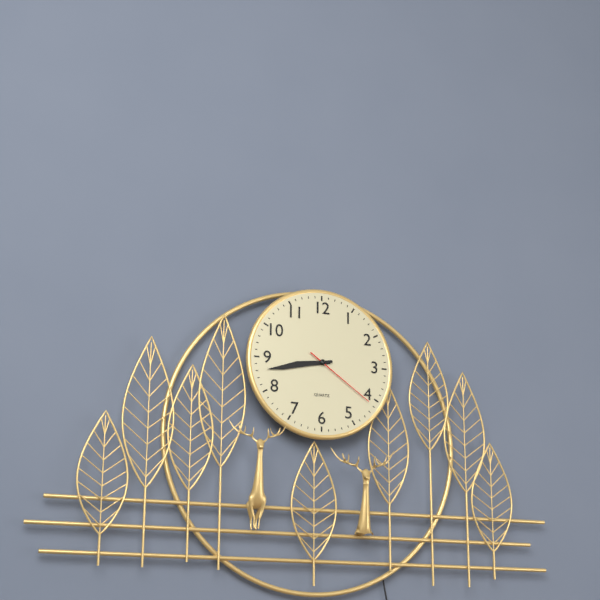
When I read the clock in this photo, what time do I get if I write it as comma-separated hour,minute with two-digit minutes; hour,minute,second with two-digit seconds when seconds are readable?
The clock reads 8,43,21
